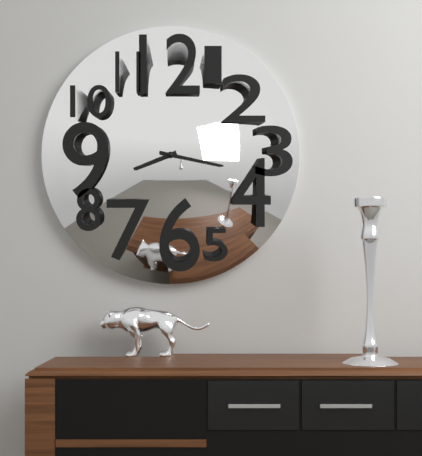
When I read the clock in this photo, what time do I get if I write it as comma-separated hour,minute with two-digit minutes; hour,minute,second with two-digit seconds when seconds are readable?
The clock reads 8,17
